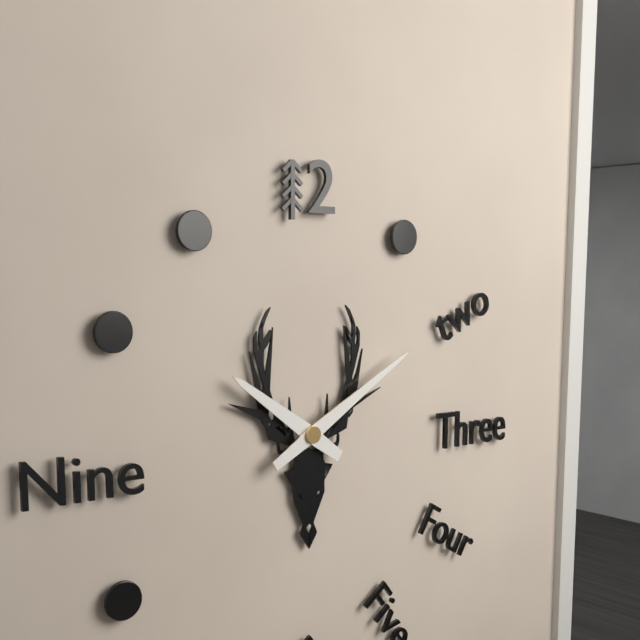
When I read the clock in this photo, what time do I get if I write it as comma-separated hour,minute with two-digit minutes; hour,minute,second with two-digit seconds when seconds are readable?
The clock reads 10,10
